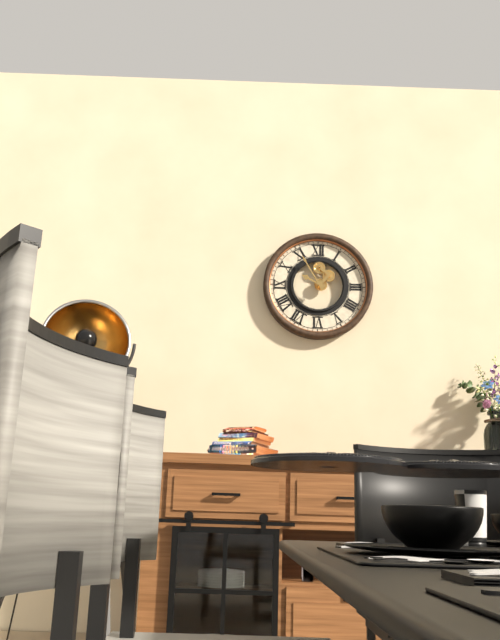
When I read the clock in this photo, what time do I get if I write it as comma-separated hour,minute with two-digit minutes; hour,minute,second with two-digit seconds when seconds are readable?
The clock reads 9,55
